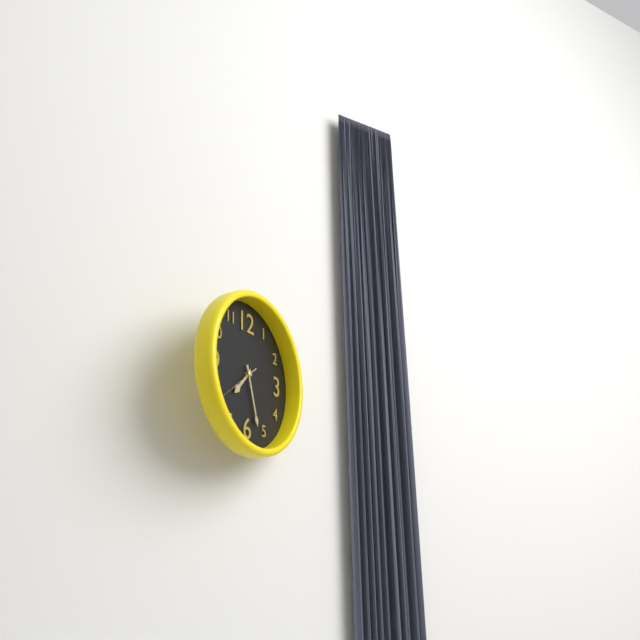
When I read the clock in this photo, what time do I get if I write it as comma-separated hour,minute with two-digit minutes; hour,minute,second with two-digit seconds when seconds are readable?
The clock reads 7,27
